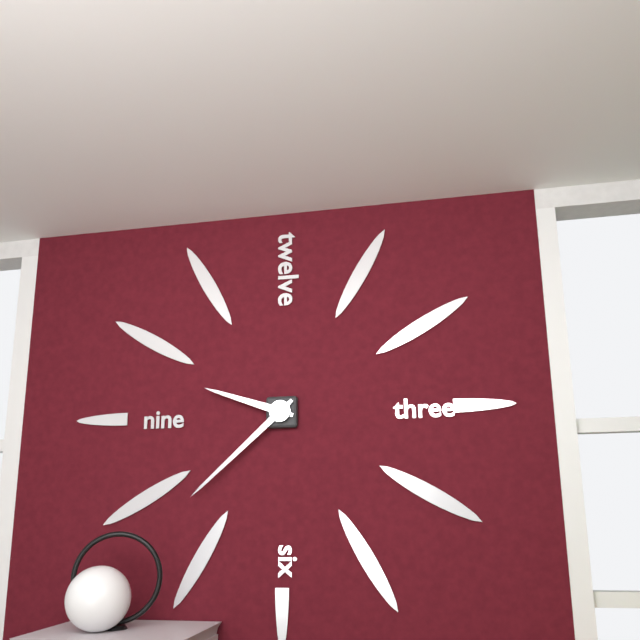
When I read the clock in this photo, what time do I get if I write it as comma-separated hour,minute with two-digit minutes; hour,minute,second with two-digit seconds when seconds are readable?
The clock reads 9,38
